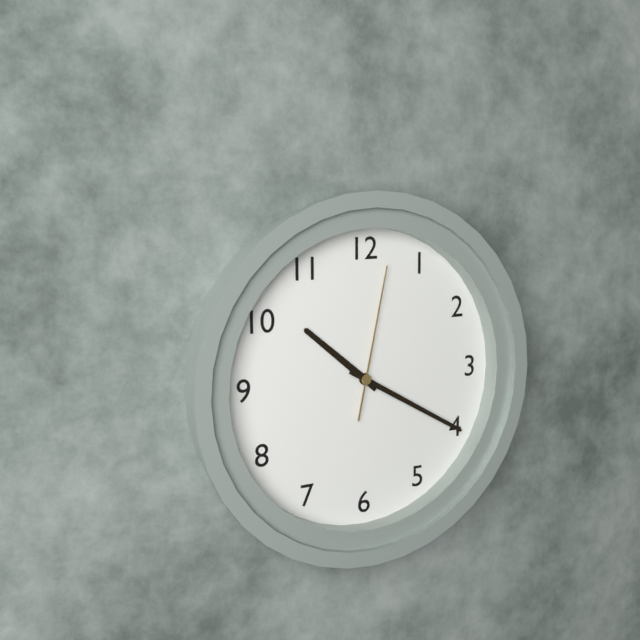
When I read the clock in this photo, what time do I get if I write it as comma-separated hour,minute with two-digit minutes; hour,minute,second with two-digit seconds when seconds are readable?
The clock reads 10,20,02
